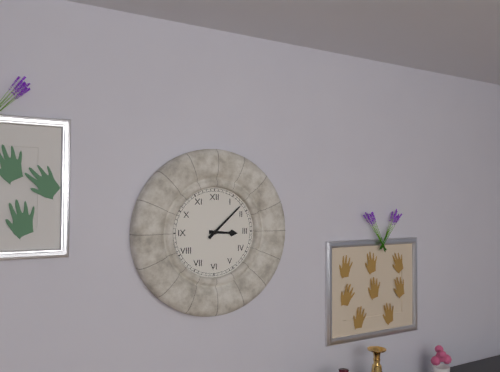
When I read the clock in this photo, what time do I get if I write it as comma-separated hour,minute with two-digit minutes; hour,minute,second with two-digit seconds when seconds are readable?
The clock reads 3,08
